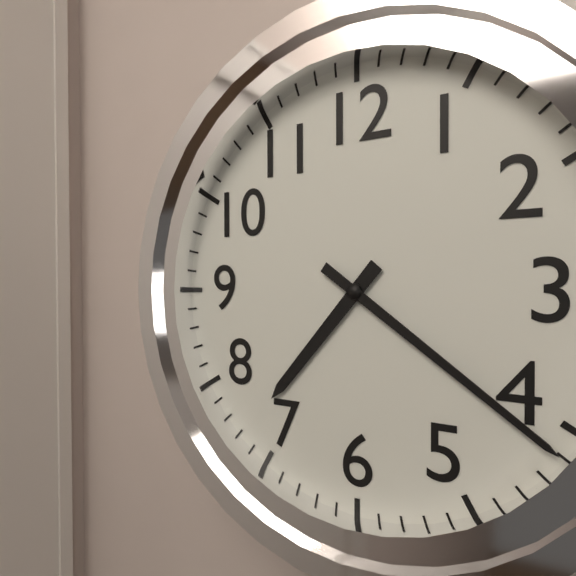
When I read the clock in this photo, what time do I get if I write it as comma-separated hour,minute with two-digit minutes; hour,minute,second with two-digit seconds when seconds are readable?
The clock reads 7,21
